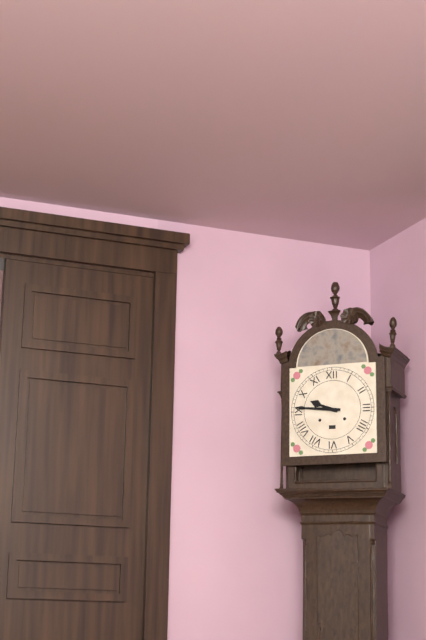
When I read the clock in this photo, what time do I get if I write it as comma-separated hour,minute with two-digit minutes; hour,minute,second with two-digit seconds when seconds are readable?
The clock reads 9,46
